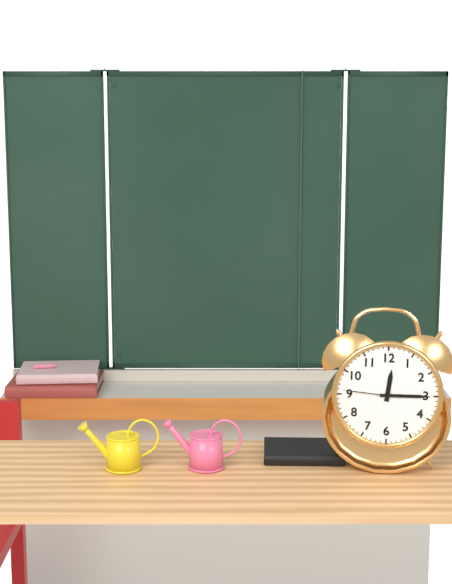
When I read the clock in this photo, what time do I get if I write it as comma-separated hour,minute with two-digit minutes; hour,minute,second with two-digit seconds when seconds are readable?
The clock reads 12,15,46
